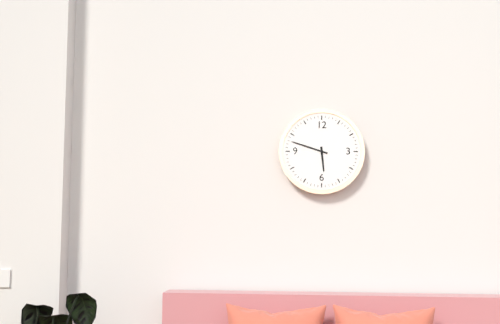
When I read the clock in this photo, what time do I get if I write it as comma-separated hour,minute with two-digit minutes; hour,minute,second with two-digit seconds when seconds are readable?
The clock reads 5,48
